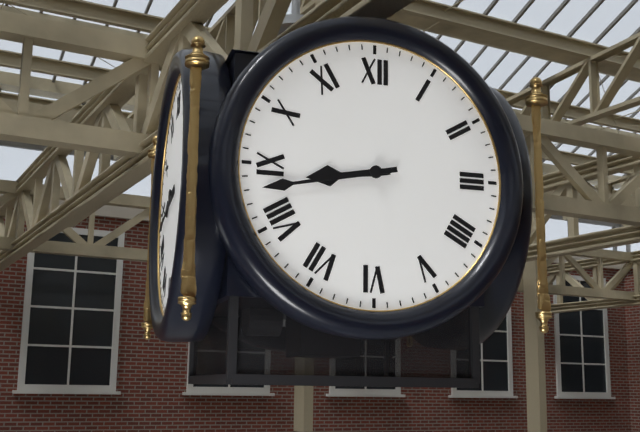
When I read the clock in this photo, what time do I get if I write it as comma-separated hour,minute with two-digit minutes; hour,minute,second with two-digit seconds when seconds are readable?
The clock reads 8,43
